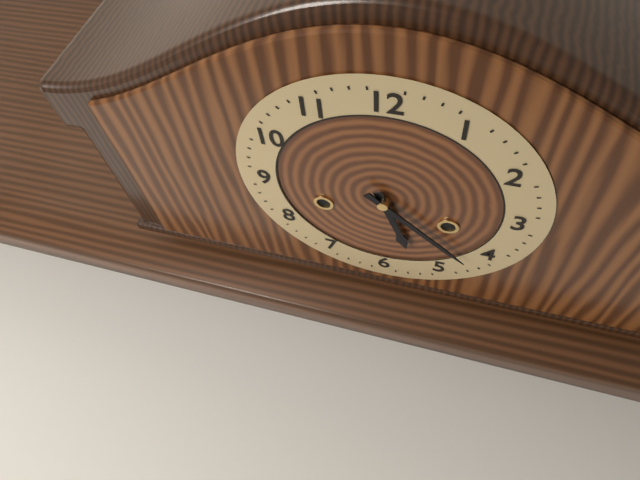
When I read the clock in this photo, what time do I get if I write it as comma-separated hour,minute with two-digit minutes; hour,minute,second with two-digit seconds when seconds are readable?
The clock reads 5,22
